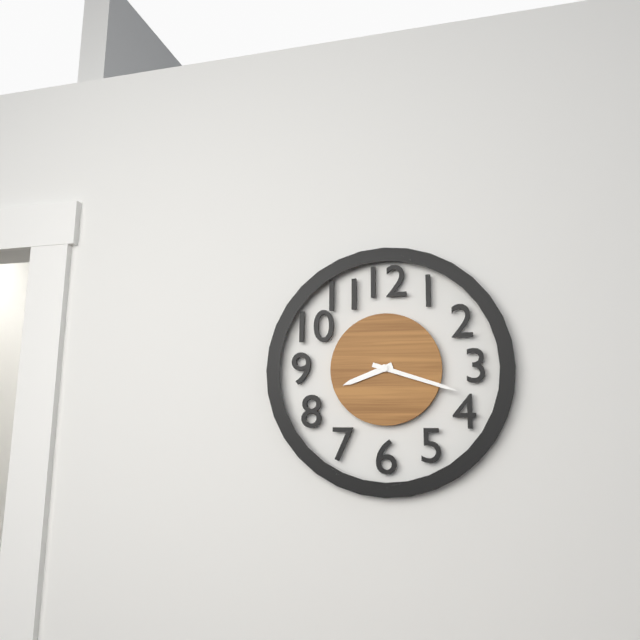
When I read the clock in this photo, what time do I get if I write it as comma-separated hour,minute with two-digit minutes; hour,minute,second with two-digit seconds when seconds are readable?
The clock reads 8,18
